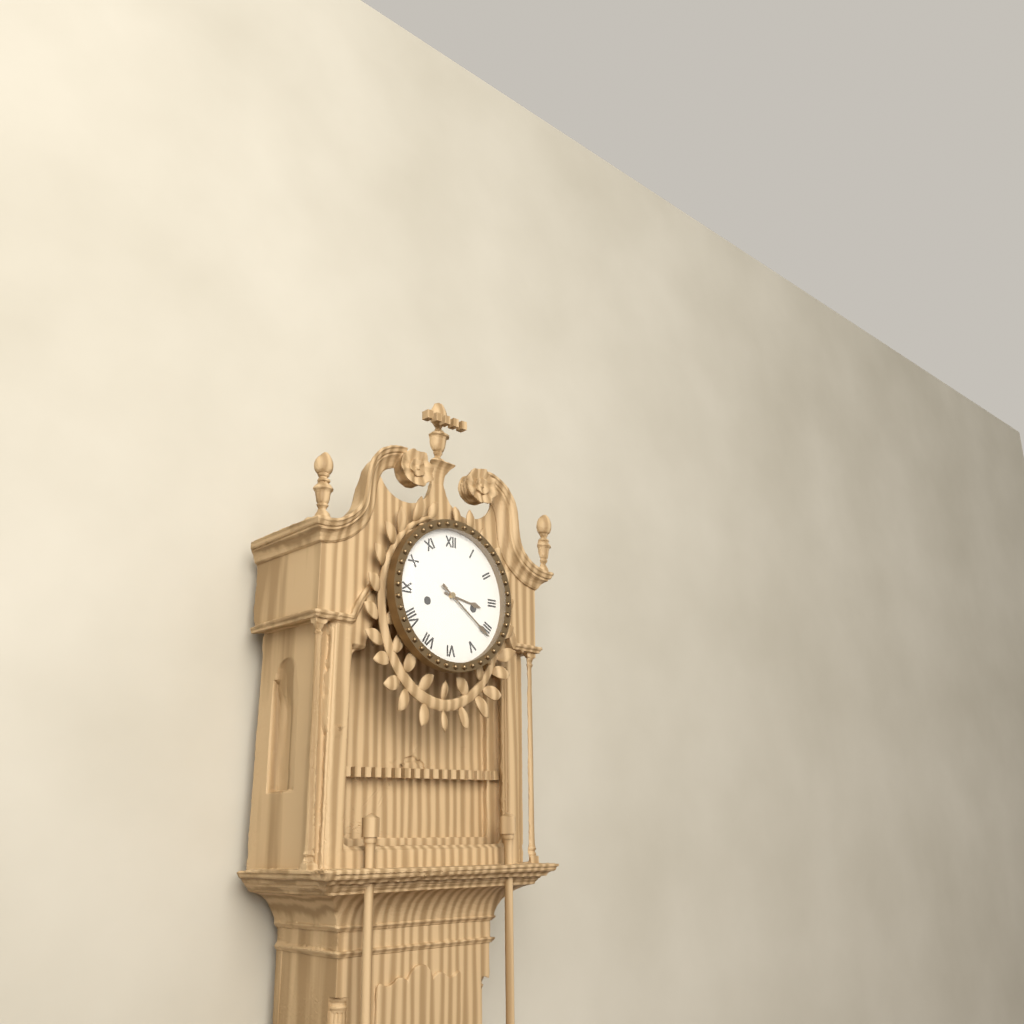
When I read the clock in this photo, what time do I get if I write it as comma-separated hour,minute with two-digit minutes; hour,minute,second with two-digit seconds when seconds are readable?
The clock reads 3,21
